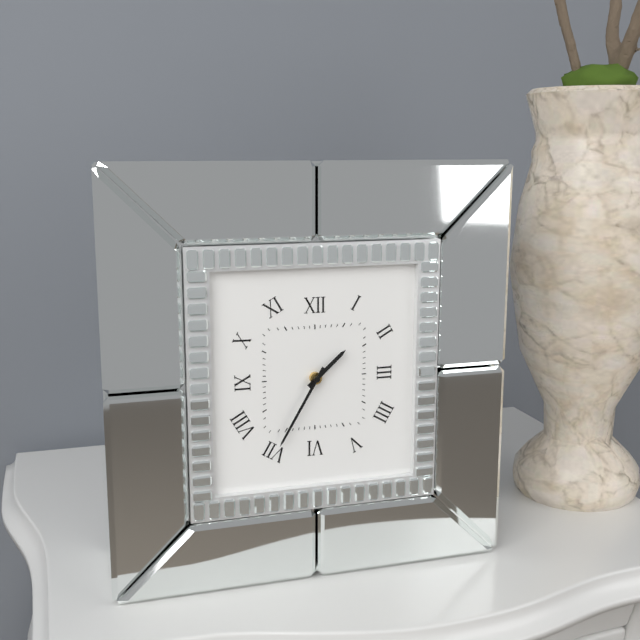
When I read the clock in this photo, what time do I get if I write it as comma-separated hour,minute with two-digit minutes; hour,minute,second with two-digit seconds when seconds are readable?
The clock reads 1,35
